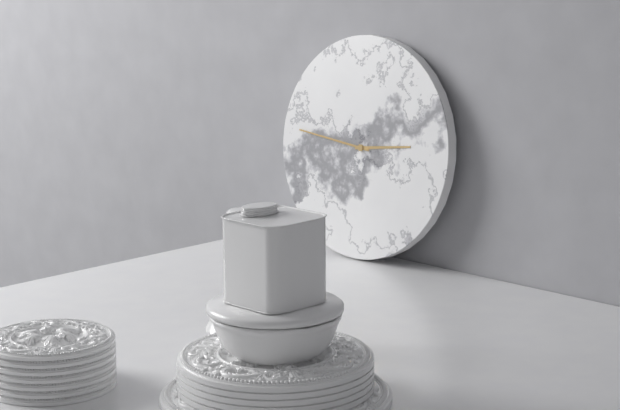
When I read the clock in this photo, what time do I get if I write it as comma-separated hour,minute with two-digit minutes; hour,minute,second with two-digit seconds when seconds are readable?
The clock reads 2,46
